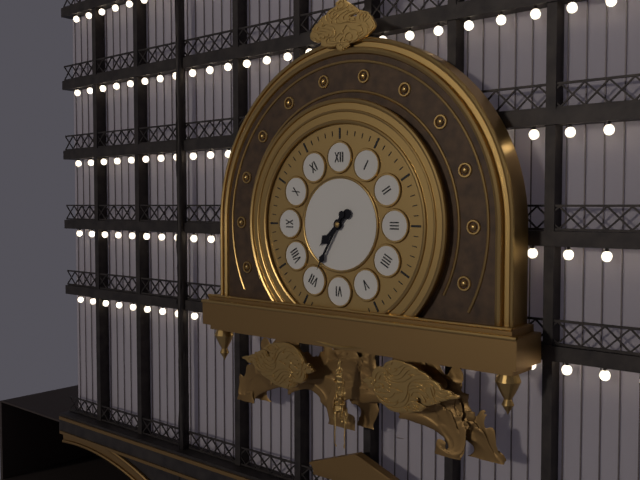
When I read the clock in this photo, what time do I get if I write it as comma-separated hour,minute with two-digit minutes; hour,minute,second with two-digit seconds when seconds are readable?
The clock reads 7,35
